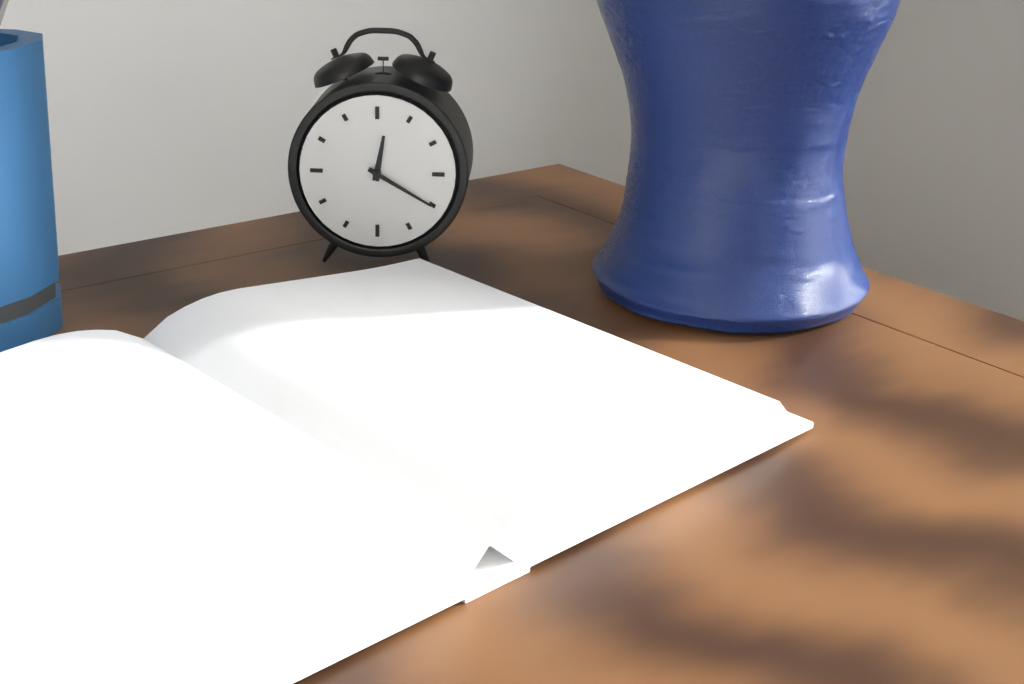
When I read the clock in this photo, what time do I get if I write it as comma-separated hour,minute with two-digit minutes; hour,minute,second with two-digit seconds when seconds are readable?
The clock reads 12,20
